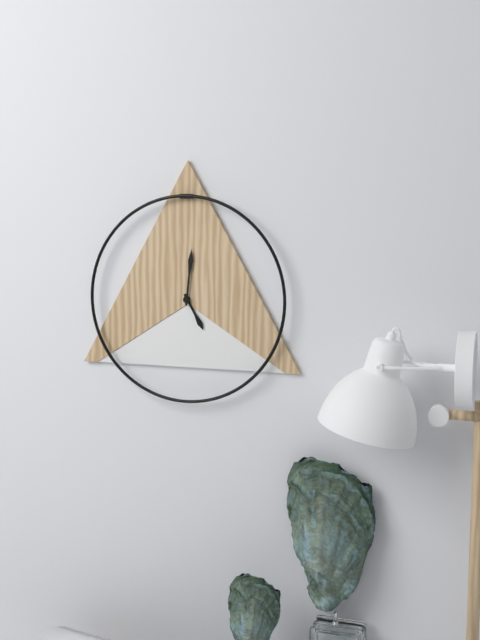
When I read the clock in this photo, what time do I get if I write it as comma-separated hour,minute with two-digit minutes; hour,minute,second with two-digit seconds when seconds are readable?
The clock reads 5,01
